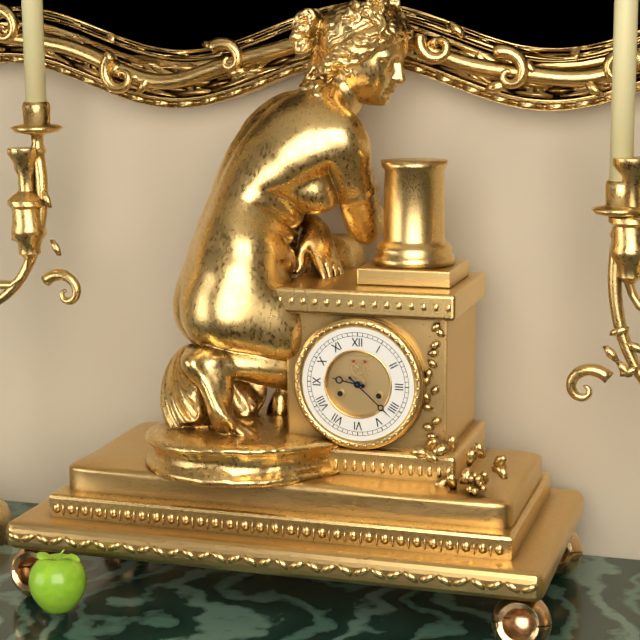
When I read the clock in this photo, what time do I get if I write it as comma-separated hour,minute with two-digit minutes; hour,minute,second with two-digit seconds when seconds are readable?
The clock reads 9,22
